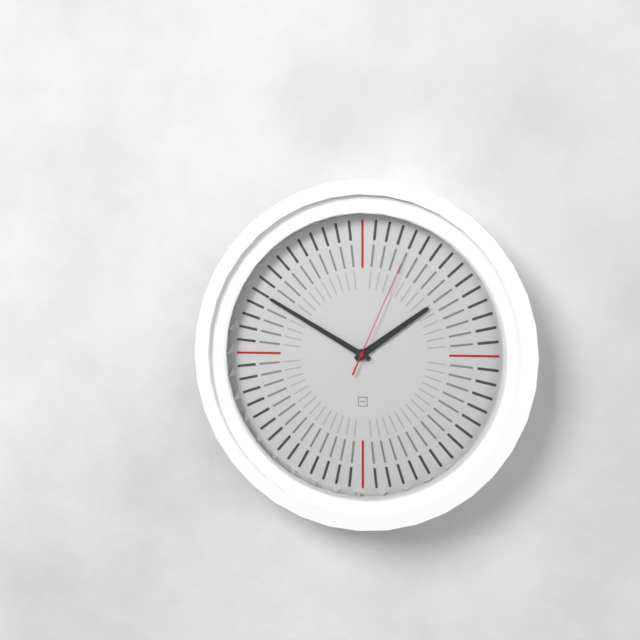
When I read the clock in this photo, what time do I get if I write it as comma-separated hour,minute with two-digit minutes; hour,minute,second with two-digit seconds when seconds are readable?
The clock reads 1,50,04
